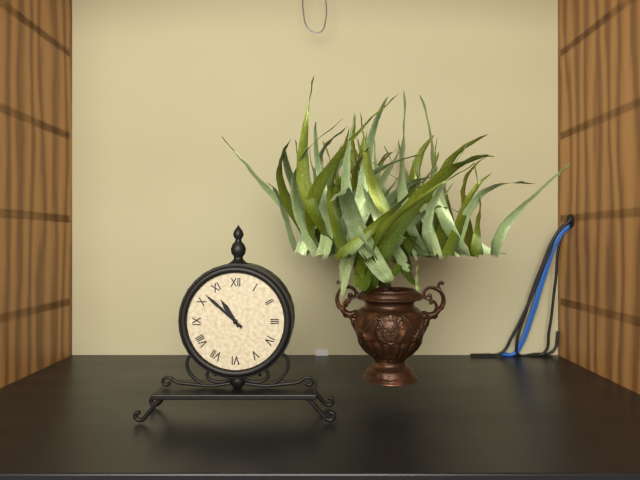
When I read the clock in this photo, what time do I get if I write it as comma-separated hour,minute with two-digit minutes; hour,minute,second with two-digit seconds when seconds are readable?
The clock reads 10,52
